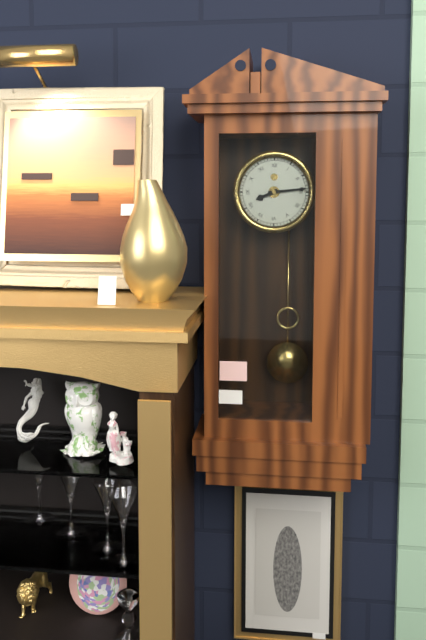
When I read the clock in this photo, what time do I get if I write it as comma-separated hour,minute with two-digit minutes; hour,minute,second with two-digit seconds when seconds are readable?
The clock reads 8,14
